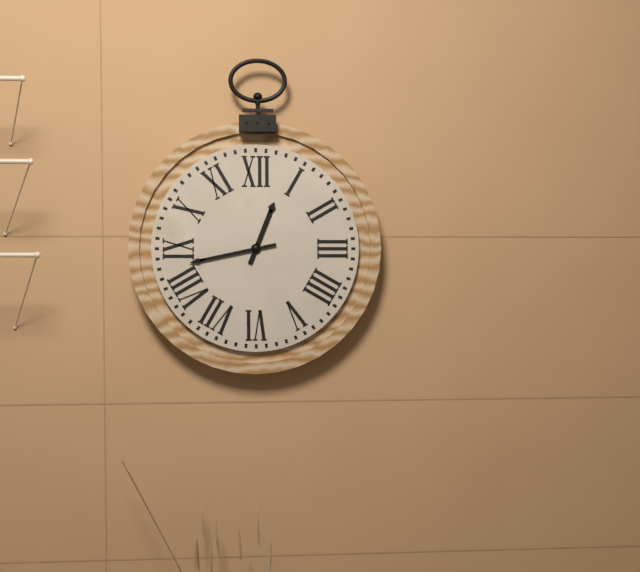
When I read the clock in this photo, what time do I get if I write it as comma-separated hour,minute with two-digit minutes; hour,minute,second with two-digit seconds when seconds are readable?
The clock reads 12,43
